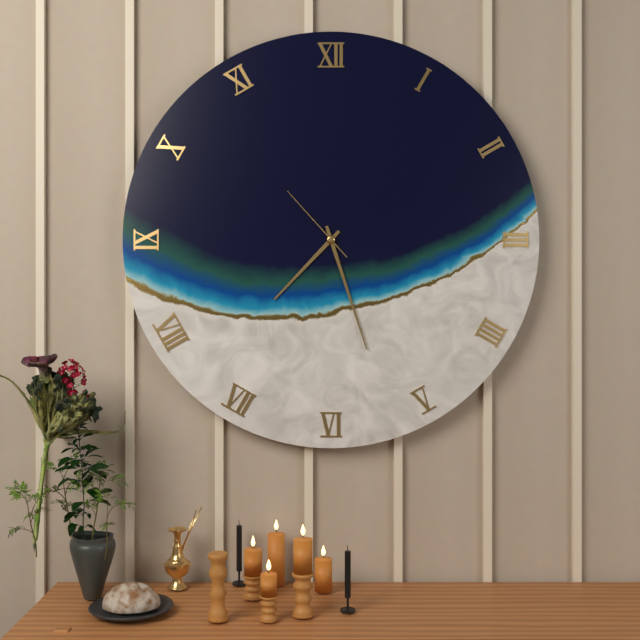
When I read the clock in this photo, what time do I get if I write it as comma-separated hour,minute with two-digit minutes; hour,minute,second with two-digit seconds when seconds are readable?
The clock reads 7,27,53
